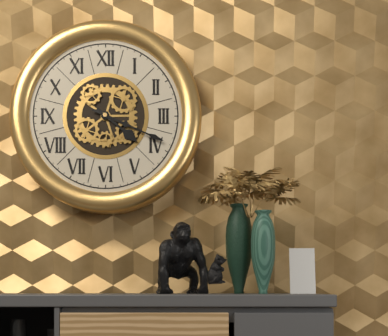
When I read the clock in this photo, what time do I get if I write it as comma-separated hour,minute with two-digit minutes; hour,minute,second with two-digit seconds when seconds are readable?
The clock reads 4,19
